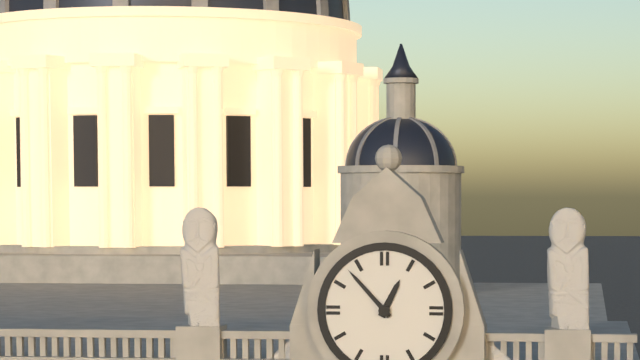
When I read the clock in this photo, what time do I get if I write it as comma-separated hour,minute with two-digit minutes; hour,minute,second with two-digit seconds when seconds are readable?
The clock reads 12,53
